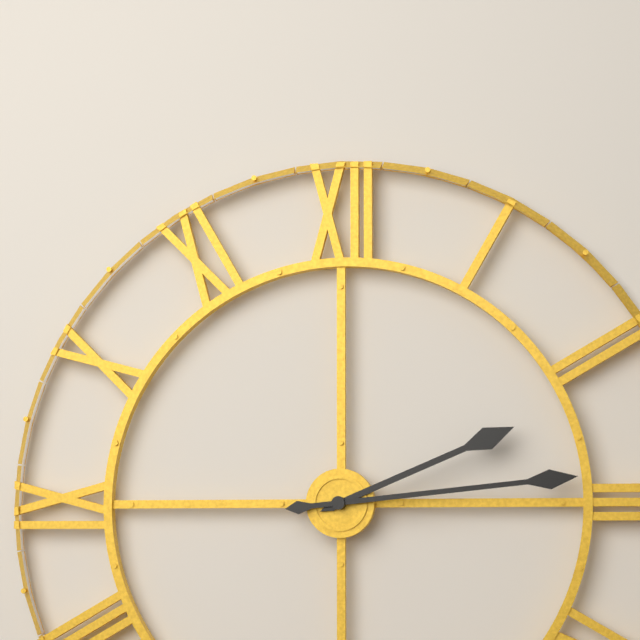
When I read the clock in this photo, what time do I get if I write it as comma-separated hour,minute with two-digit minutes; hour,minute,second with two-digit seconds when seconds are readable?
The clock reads 2,14
